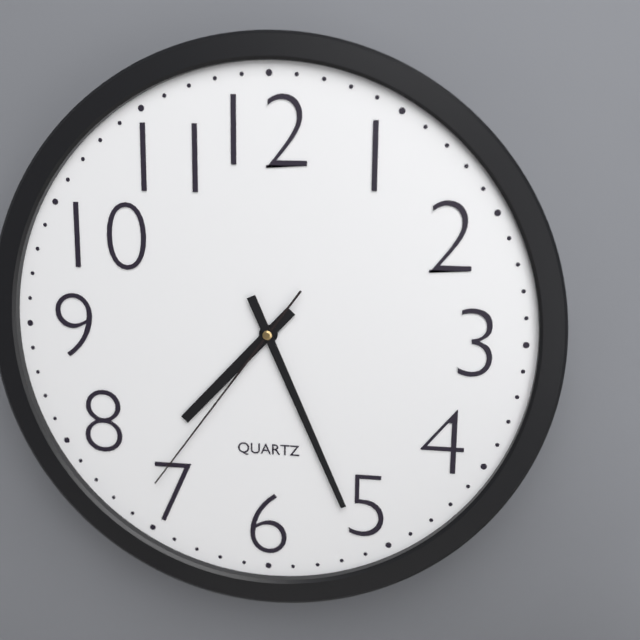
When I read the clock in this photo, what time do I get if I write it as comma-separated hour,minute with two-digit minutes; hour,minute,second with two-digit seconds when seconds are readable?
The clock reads 7,26,36
